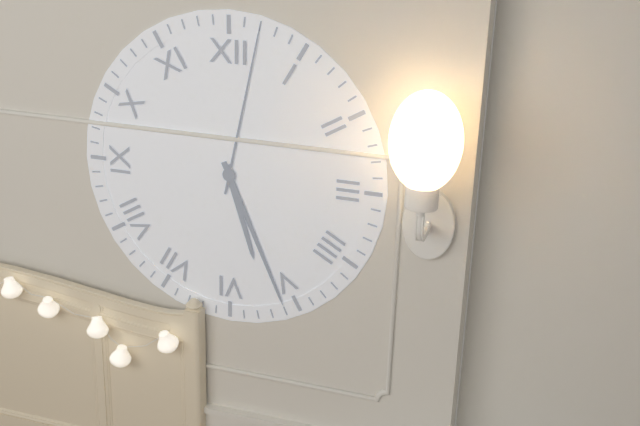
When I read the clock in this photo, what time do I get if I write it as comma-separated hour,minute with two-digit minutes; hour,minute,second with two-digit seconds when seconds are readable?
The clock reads 5,26,02
